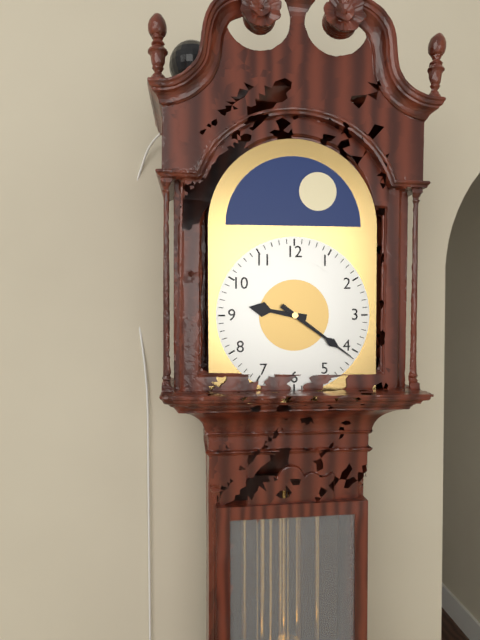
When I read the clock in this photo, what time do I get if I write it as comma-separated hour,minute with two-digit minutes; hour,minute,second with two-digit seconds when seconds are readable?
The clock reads 9,21
